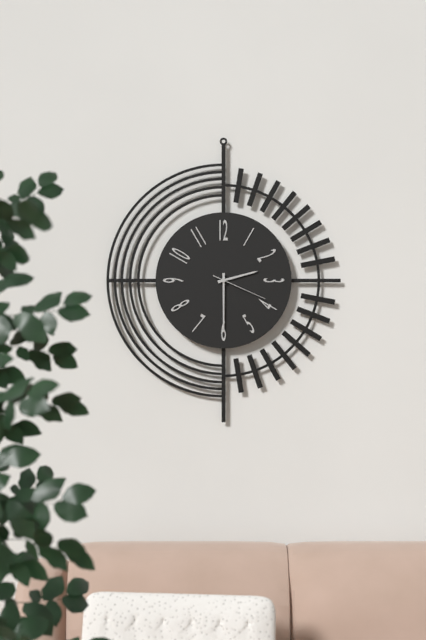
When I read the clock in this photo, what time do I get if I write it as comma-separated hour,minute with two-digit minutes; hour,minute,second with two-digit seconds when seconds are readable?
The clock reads 2,30,19
